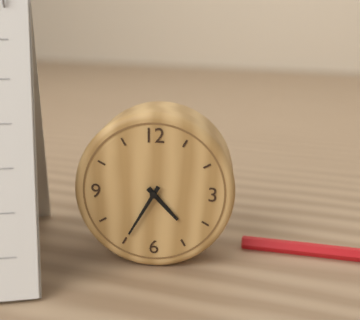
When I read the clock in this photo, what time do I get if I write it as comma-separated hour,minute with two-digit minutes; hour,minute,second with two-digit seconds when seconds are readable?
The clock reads 4,35
